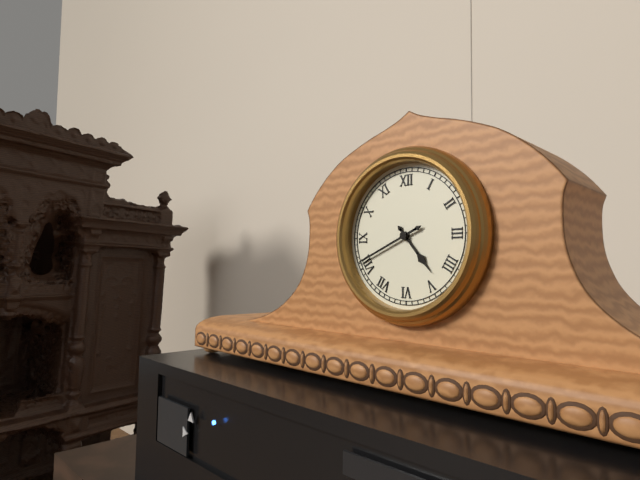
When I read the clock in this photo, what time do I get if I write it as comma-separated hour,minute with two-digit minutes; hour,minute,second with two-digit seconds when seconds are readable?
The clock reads 4,41
